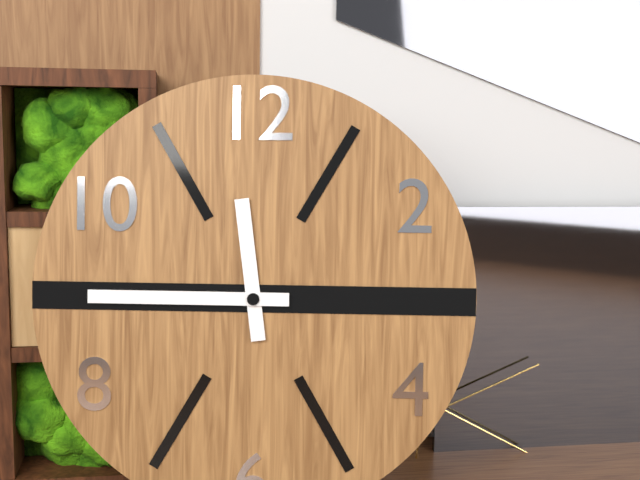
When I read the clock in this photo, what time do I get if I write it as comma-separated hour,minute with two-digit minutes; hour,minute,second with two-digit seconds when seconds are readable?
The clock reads 11,45
